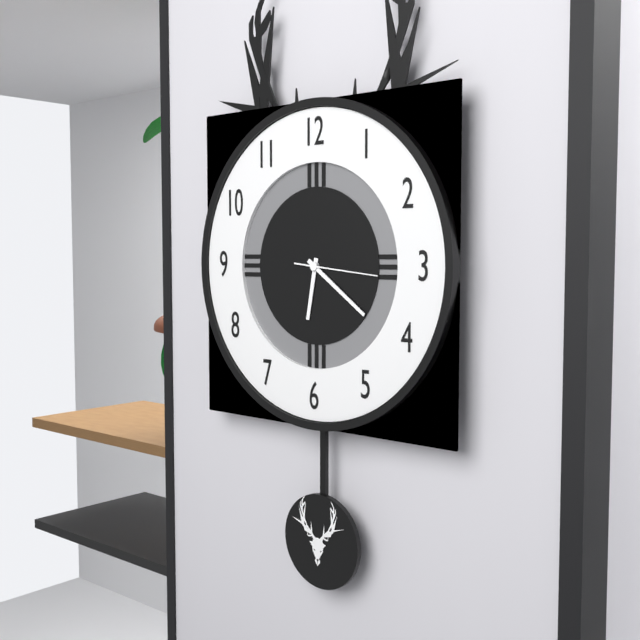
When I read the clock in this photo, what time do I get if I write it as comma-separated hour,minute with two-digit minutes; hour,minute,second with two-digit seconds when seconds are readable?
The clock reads 6,21,16
